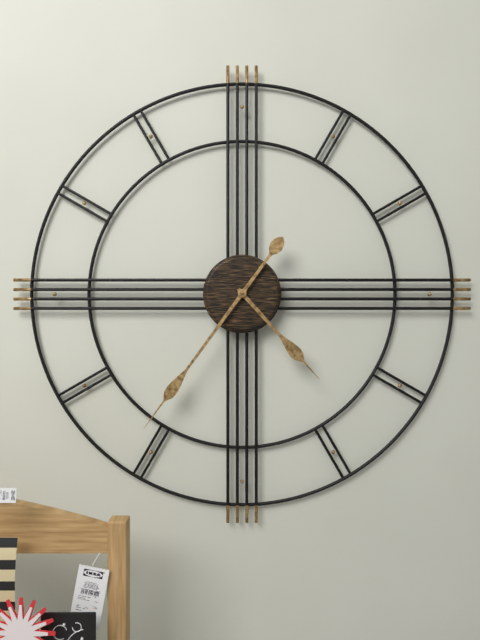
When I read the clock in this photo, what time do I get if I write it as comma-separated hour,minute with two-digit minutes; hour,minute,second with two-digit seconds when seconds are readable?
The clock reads 4,36
